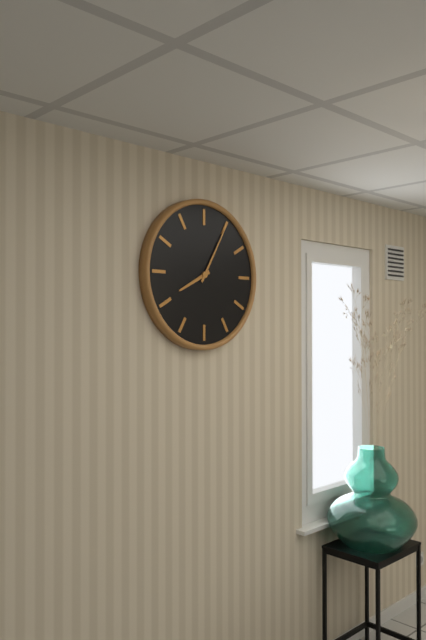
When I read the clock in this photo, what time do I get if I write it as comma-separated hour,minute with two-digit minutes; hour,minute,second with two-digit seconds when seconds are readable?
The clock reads 8,05
